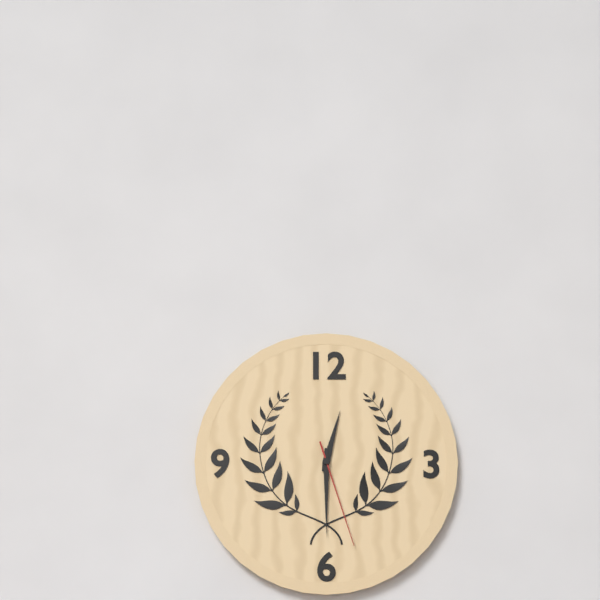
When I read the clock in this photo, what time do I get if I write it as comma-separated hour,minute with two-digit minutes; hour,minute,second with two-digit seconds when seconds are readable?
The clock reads 12,30,27
